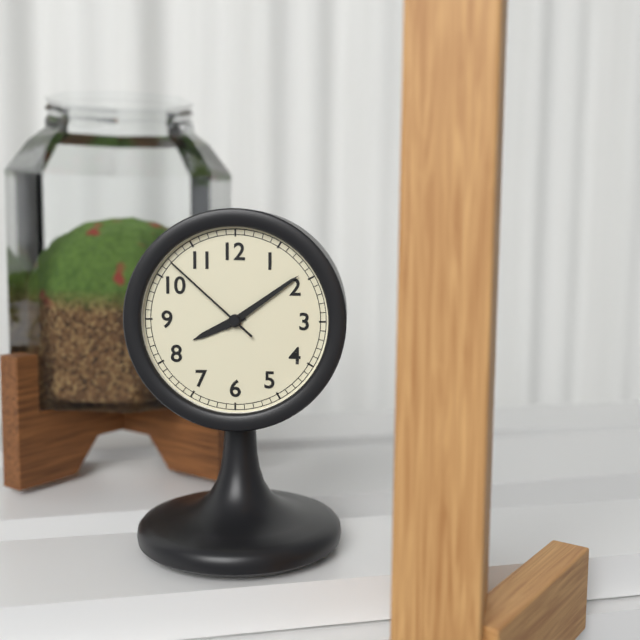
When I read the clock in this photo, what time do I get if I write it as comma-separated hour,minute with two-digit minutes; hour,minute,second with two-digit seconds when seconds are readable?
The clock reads 8,09,52
